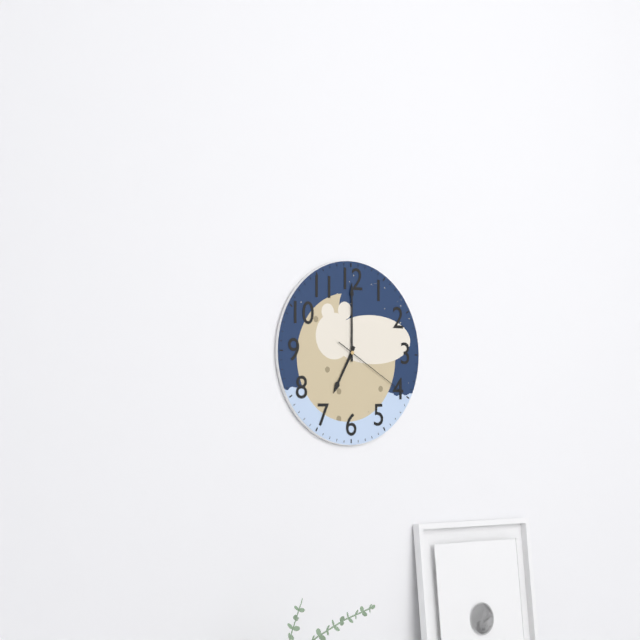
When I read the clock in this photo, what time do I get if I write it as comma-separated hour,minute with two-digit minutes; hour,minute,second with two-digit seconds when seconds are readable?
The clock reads 7,00,20
